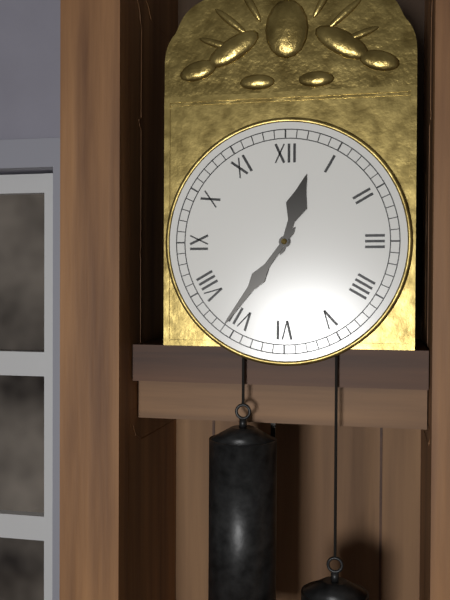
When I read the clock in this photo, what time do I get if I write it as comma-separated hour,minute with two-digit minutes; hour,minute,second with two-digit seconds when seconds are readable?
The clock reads 12,36
